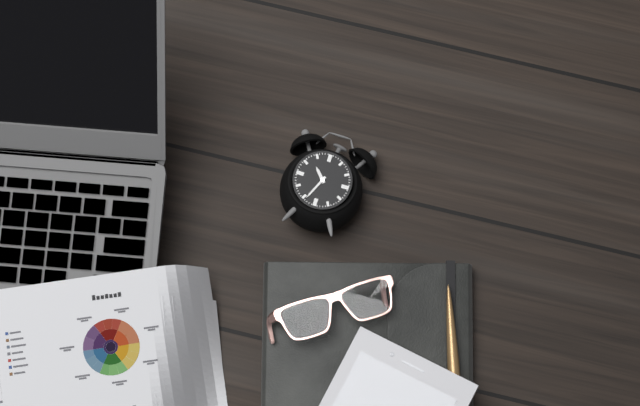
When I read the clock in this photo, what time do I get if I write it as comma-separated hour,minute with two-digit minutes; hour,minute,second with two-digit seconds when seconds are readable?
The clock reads 10,34
